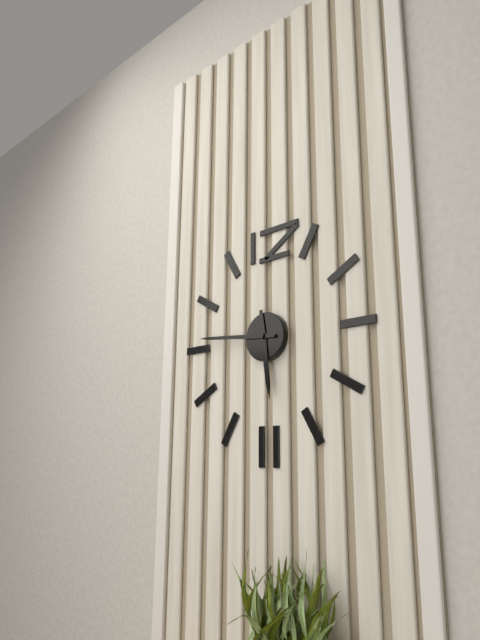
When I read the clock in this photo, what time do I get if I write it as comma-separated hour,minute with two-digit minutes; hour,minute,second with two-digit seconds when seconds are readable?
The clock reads 5,46
